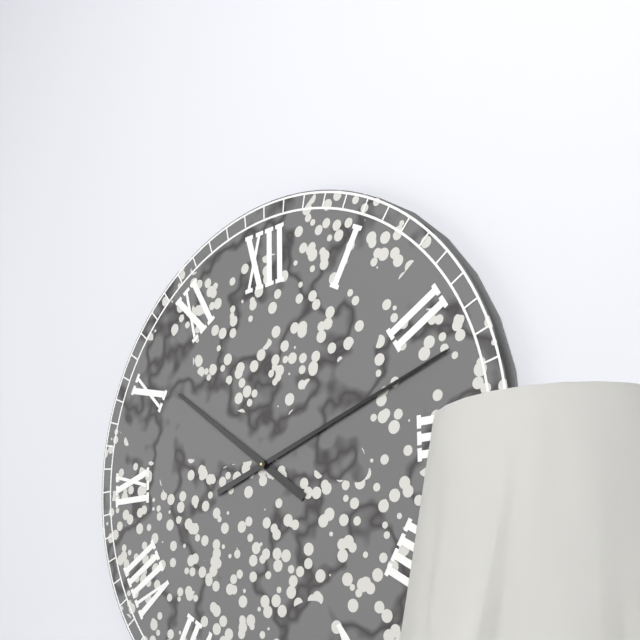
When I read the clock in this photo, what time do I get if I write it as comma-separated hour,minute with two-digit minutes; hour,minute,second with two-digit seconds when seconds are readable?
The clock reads 10,12
